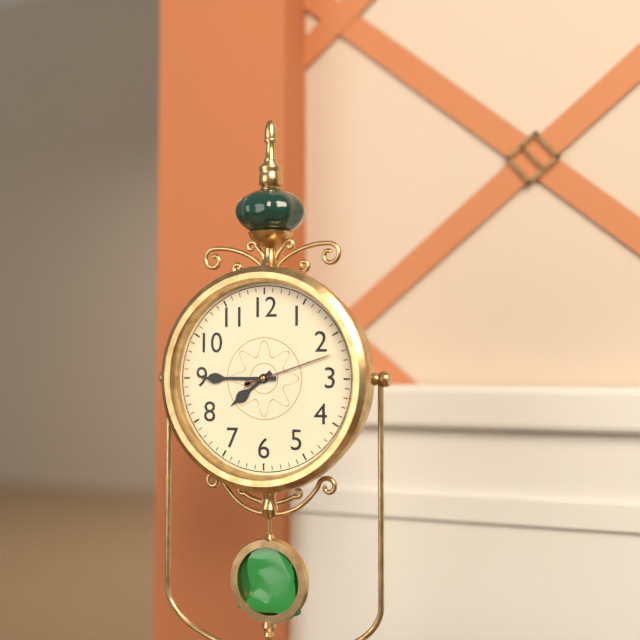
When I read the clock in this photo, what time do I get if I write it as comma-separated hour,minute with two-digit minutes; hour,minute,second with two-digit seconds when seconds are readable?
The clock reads 7,45,12
